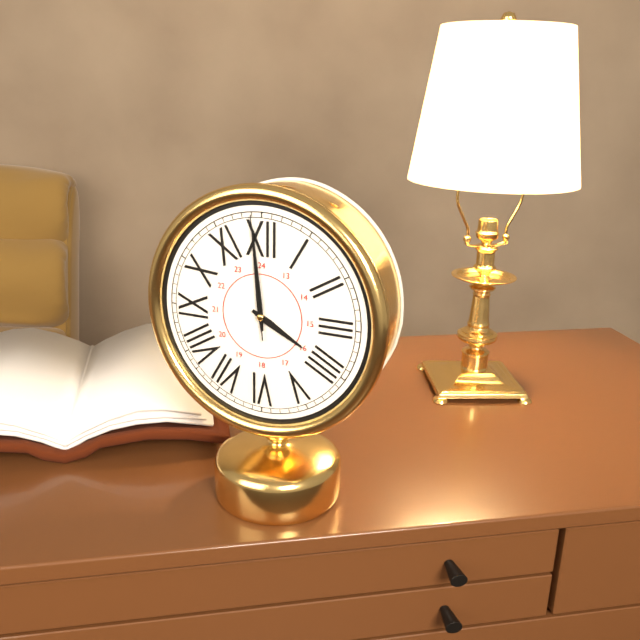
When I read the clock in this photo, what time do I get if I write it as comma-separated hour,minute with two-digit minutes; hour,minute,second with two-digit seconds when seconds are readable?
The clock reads 3,59,59
